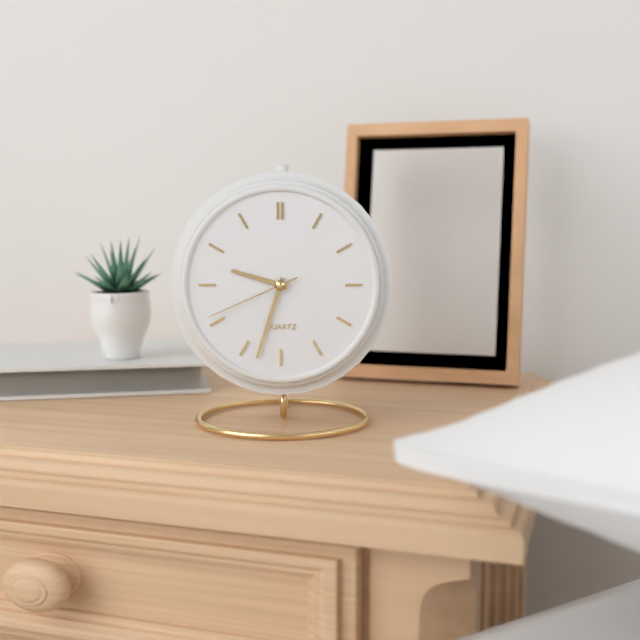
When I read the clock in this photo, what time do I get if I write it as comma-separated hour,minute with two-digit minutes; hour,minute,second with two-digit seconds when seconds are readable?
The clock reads 9,33,41
